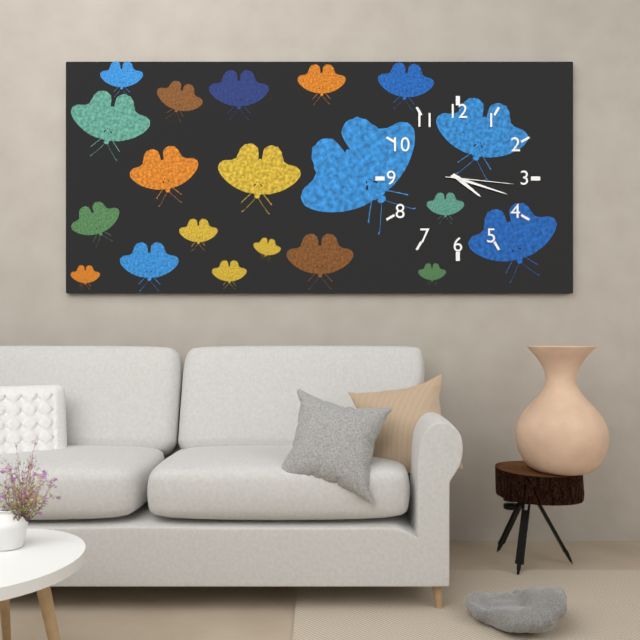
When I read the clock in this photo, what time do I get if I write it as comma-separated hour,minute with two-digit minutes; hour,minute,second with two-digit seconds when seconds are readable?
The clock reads 4,18,16
